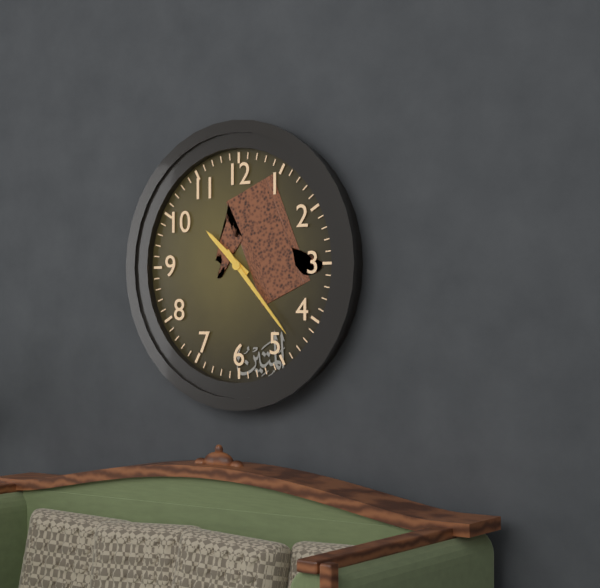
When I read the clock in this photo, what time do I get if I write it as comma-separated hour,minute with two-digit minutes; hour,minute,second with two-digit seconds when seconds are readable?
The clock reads 10,23
